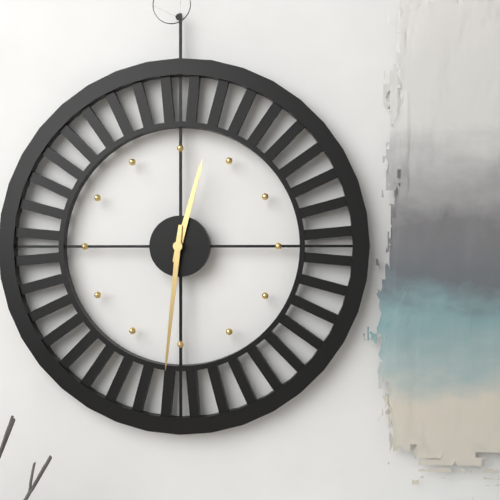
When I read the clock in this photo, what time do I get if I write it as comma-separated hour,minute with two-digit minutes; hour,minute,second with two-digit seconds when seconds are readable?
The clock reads 12,31
